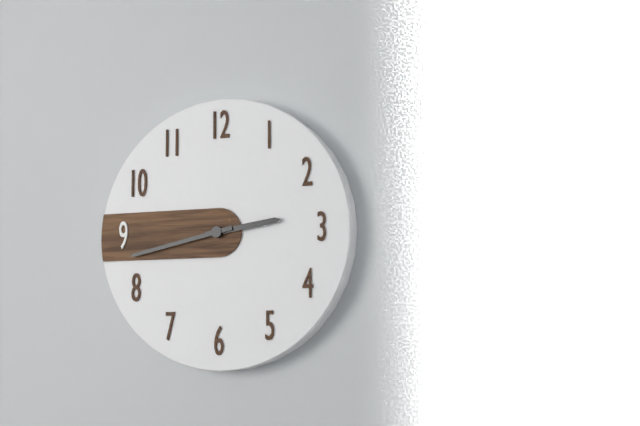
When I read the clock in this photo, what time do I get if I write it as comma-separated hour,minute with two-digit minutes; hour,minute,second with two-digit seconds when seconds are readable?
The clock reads 2,43
